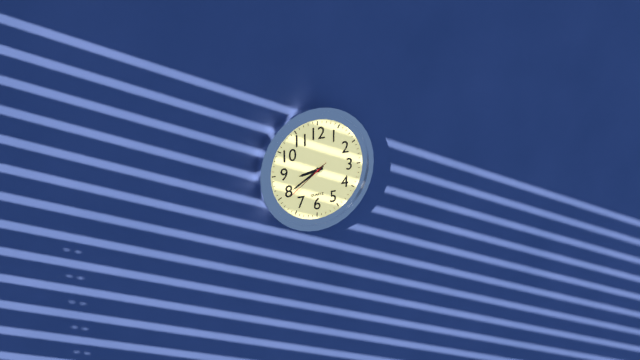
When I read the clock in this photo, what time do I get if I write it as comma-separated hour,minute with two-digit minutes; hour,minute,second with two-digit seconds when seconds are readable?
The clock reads 8,40
